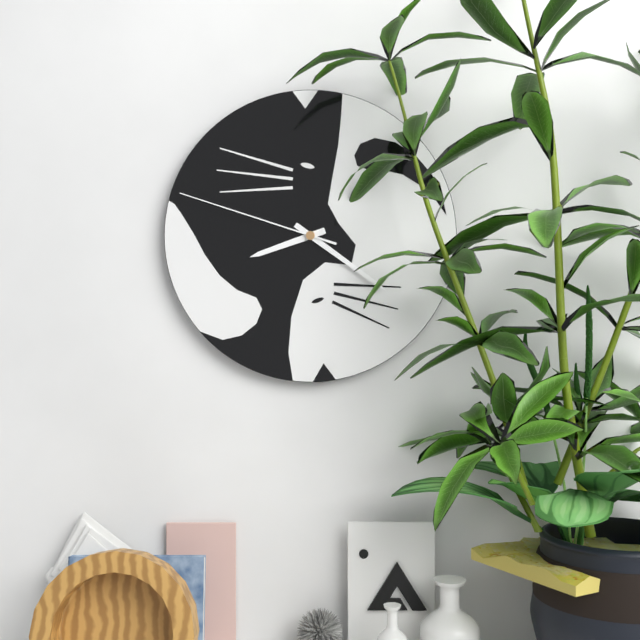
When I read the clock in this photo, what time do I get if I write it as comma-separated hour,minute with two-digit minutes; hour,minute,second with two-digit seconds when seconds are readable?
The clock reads 8,21,48
